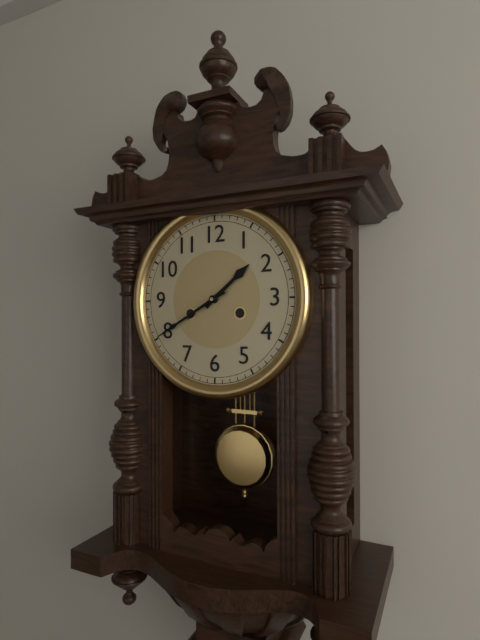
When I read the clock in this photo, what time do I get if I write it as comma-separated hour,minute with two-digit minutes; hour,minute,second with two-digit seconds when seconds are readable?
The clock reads 1,40
